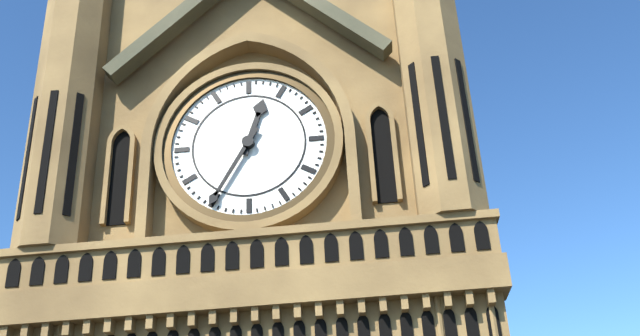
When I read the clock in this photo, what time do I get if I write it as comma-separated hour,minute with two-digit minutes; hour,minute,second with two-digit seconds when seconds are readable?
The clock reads 12,35
